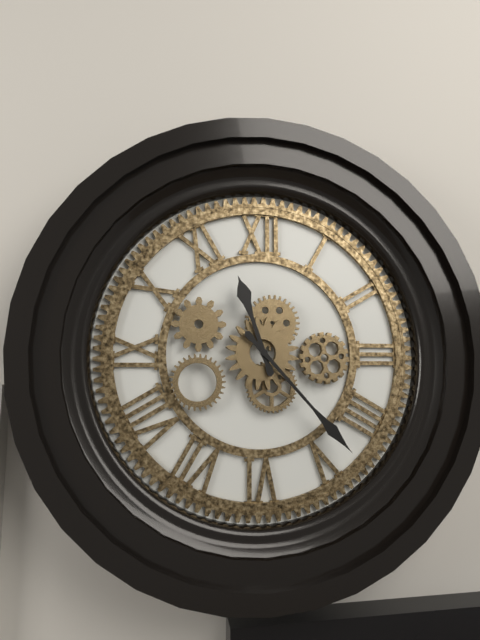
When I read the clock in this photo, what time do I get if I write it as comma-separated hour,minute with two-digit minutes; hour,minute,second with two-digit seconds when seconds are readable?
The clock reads 11,23
